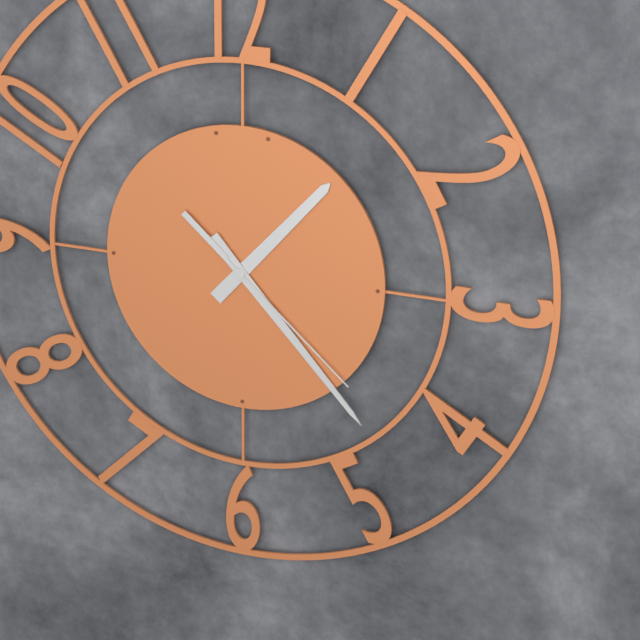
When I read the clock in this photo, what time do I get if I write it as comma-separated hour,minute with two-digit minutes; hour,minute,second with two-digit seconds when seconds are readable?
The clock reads 1,23,22
